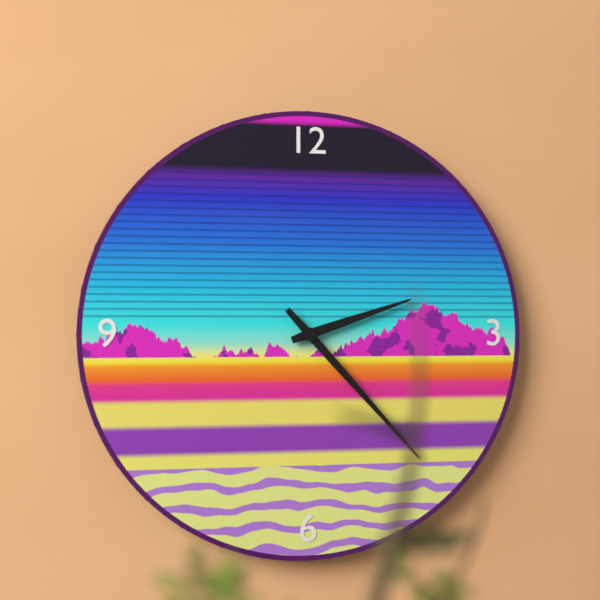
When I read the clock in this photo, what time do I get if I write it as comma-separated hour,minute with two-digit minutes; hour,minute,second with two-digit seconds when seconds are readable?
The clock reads 2,23
